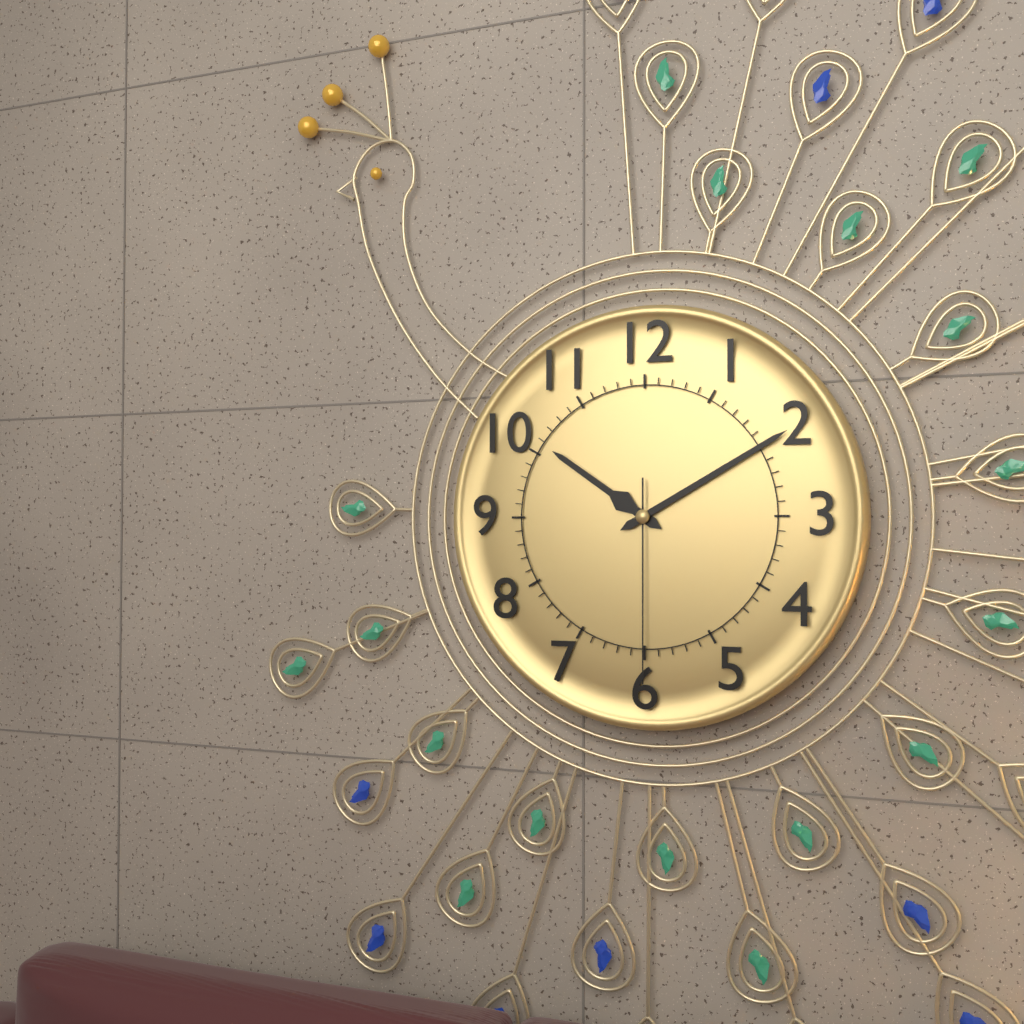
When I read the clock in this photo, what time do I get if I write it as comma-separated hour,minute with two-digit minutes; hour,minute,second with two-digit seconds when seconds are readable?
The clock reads 10,10,30
